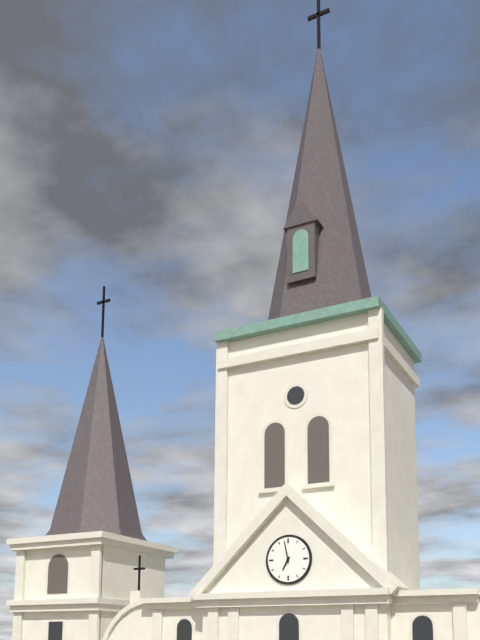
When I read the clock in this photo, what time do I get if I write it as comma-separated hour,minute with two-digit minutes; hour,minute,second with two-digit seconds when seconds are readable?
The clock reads 6,58
